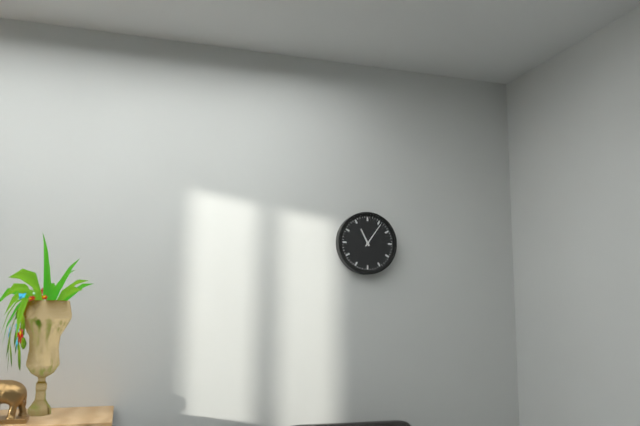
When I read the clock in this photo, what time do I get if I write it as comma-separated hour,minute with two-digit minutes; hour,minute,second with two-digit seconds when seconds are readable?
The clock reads 11,06
